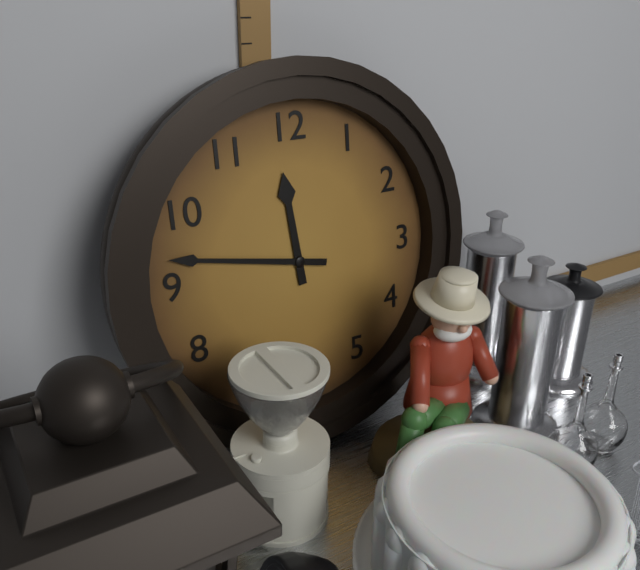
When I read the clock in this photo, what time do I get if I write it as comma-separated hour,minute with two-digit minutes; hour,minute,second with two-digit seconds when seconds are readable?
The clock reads 11,47
